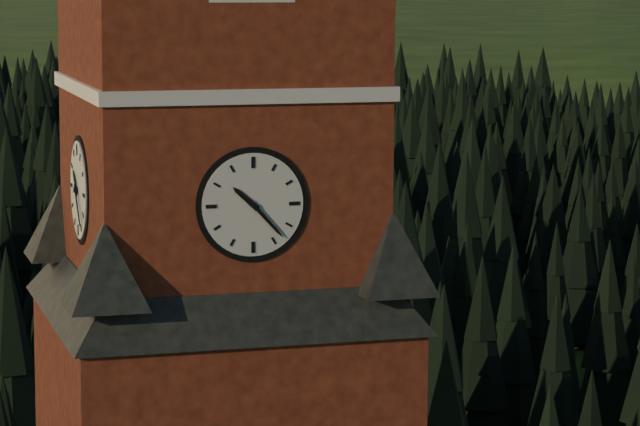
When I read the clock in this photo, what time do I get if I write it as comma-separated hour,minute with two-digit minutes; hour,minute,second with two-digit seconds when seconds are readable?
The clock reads 10,23
